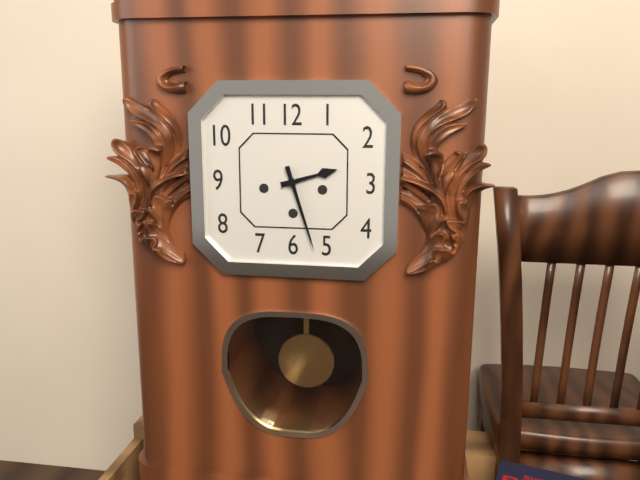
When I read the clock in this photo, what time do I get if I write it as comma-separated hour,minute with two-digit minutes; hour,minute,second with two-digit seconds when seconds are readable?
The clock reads 2,27
